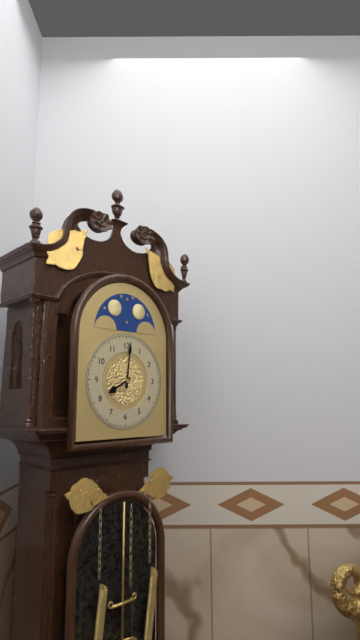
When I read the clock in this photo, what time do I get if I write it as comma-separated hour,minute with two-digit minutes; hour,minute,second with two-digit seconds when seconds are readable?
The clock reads 8,01
